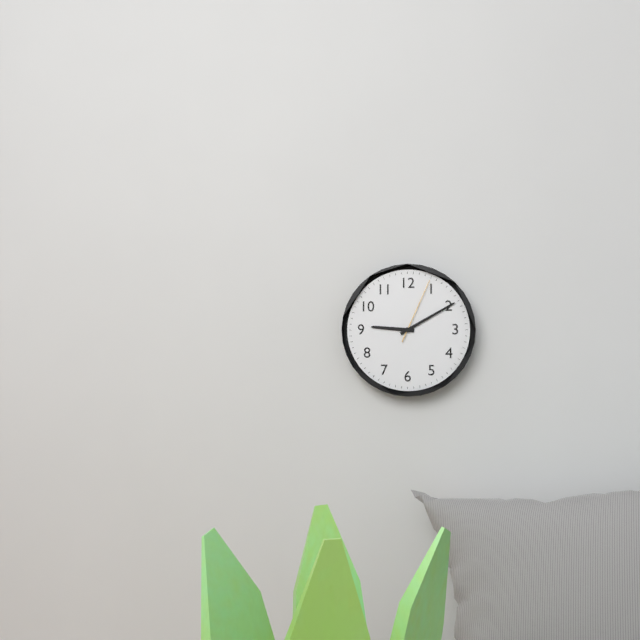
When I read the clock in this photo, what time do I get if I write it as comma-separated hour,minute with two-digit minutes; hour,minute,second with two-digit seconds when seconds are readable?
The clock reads 9,10,04
